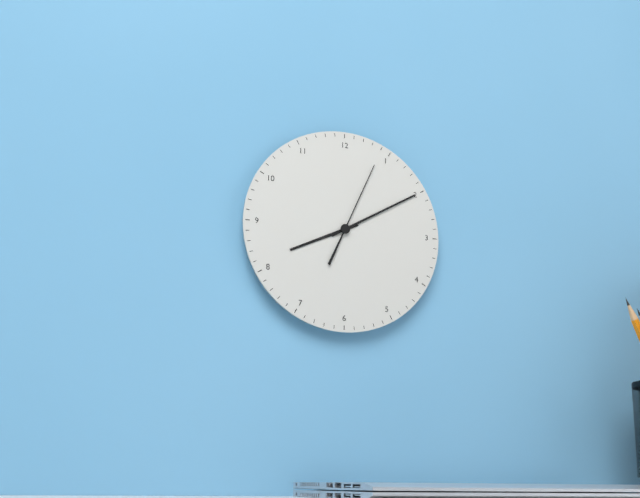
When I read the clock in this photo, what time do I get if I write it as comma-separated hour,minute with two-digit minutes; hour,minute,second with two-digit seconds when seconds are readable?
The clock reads 8,10,04
